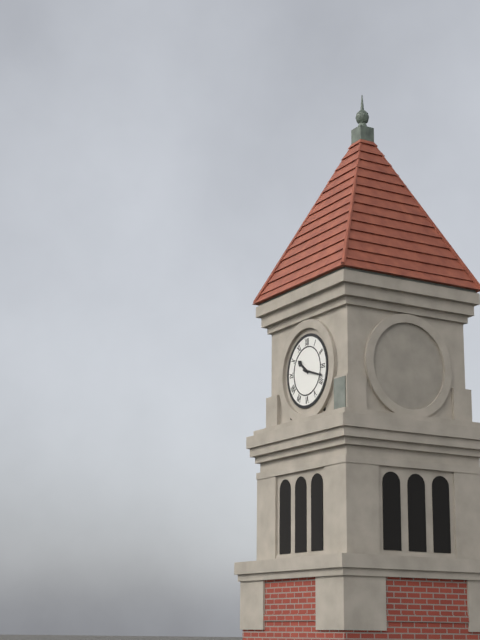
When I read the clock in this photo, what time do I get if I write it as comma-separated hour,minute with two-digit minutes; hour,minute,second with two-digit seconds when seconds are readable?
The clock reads 10,18
